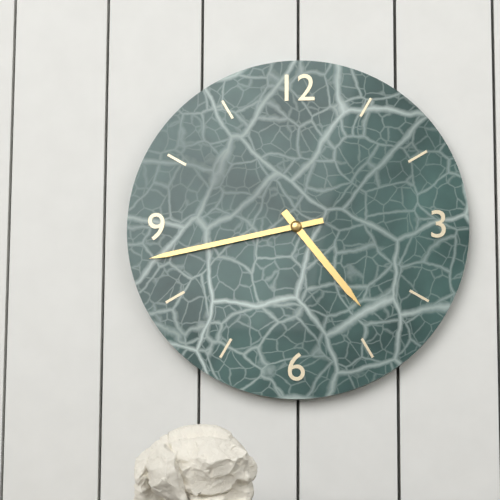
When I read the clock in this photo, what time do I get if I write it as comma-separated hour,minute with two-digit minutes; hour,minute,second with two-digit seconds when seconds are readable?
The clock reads 4,43
